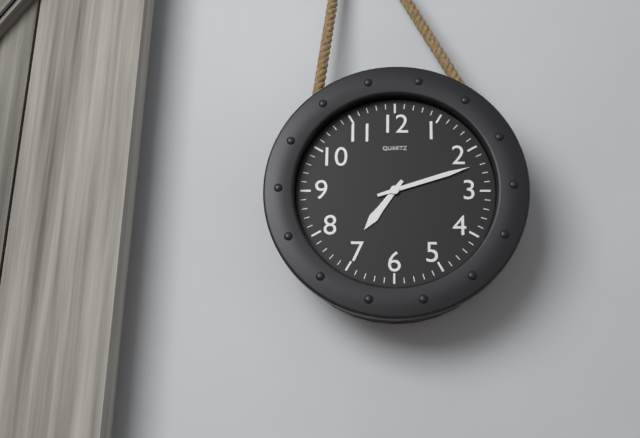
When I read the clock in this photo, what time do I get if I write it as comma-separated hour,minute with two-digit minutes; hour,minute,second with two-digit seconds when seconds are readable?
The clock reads 7,12
